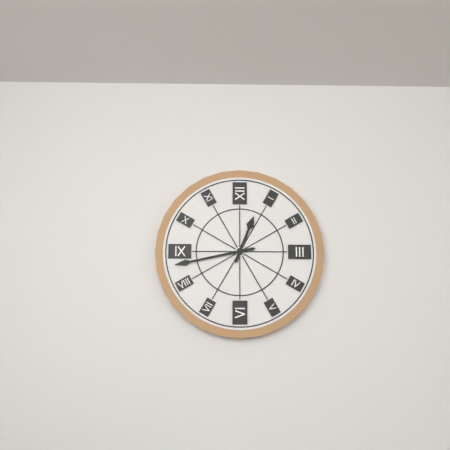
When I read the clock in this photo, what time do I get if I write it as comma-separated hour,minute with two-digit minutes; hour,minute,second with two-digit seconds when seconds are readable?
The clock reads 12,43
